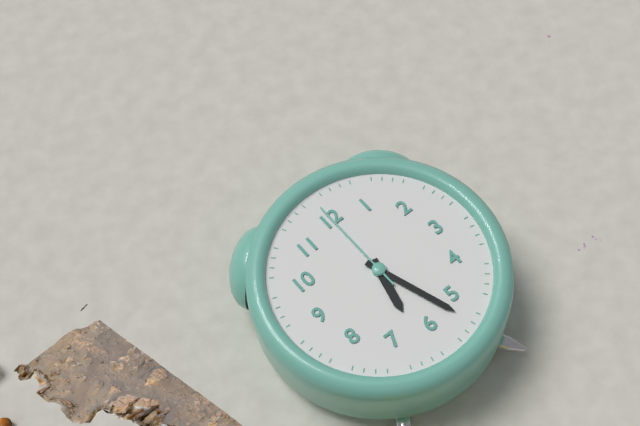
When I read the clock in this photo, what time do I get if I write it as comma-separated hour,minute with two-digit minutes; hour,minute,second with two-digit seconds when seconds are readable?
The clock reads 6,27,00
